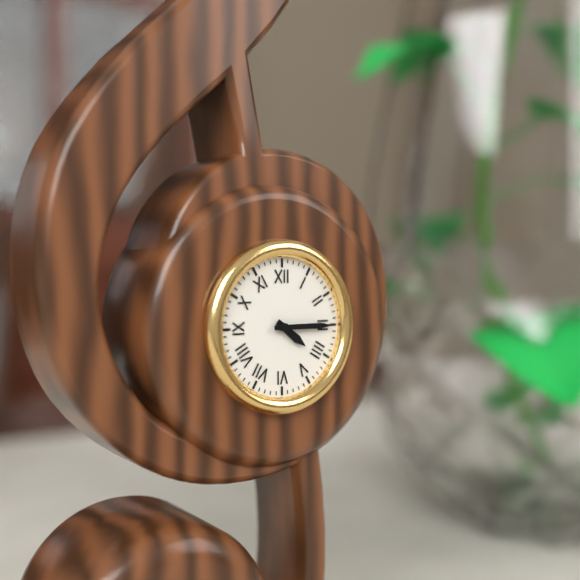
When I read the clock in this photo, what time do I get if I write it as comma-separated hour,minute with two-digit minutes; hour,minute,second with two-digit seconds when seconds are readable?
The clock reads 4,15
